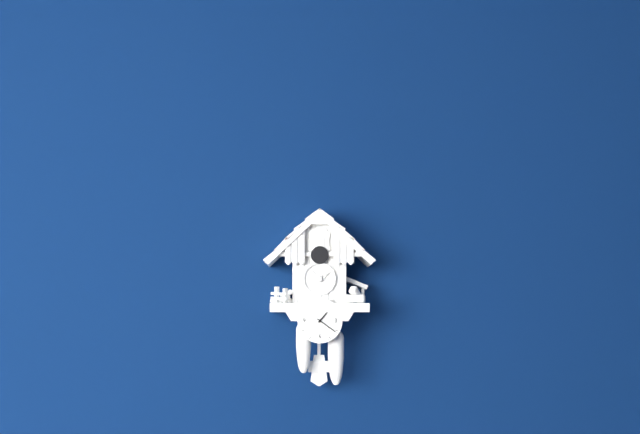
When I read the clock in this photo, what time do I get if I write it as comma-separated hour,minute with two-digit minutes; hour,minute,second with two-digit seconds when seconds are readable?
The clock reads 1,21
